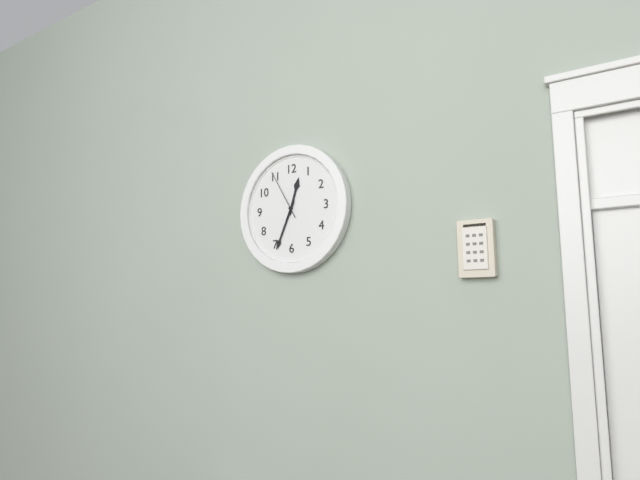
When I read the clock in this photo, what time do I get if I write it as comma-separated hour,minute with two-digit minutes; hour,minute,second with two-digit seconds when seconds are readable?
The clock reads 12,34,55
